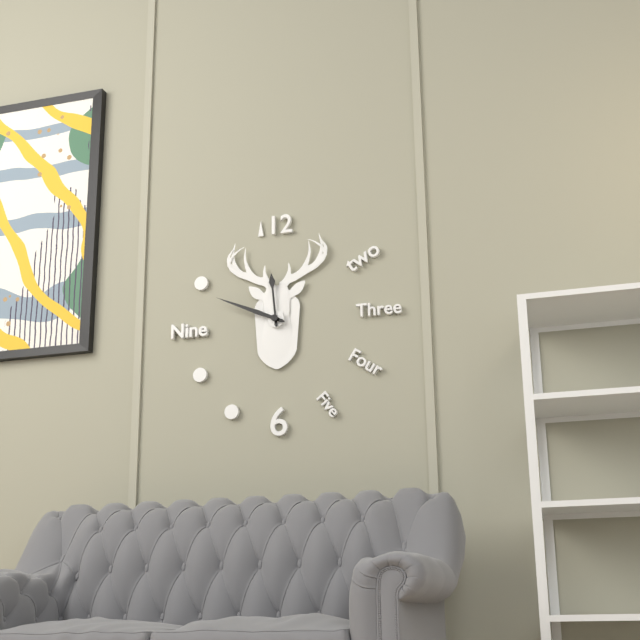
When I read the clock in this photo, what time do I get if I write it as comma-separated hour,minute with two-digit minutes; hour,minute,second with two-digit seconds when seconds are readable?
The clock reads 11,49
